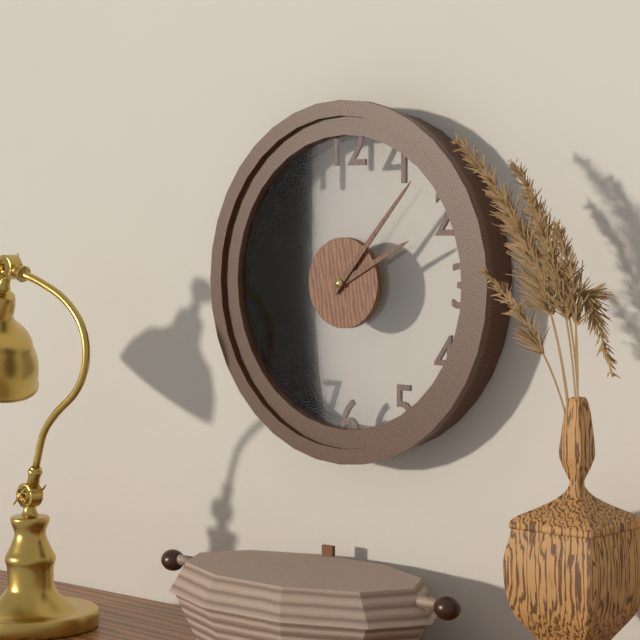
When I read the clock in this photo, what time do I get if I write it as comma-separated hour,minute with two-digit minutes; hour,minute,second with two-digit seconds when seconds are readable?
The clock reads 2,07
